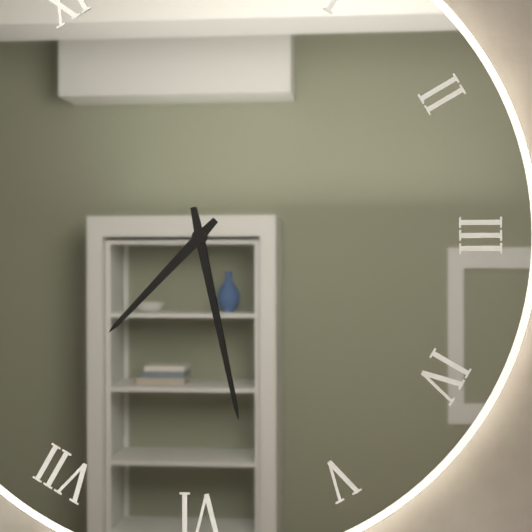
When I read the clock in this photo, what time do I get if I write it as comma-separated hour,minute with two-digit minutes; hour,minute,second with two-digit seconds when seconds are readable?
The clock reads 7,28
